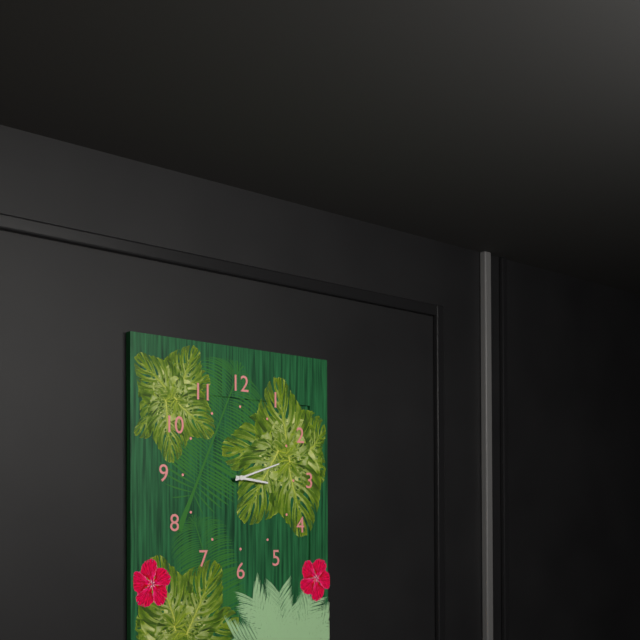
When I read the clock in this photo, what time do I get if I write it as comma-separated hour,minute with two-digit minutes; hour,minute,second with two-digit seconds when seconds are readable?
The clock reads 3,12
